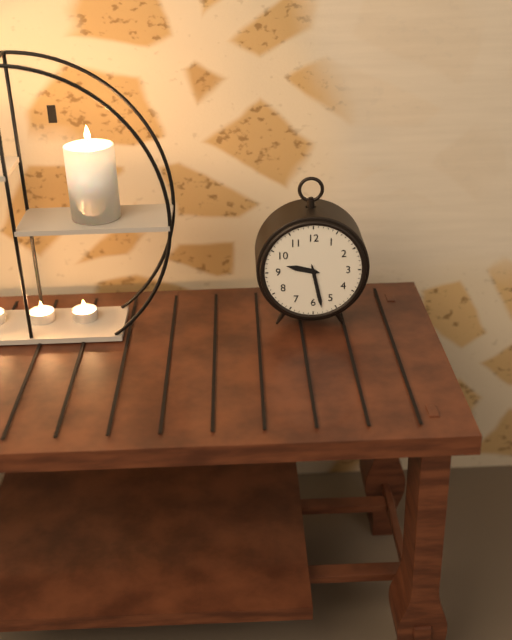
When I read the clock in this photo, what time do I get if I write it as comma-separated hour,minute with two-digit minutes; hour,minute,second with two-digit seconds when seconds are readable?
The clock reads 9,28
